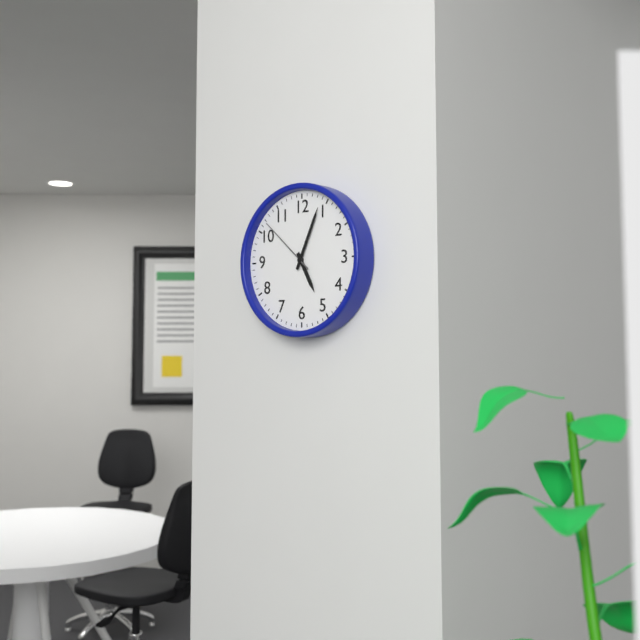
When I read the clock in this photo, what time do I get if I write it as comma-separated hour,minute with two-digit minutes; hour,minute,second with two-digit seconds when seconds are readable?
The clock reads 5,04,52
